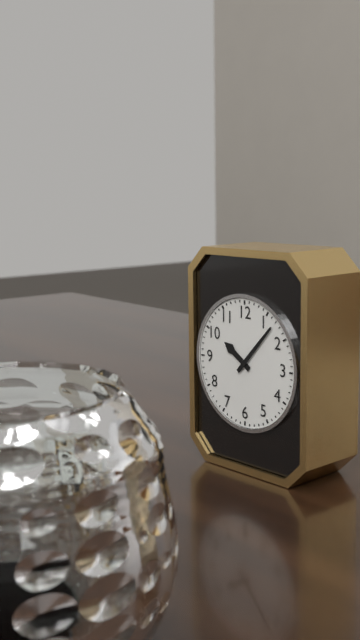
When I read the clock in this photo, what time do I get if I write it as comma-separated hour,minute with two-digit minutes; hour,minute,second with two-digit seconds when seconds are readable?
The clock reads 10,07
